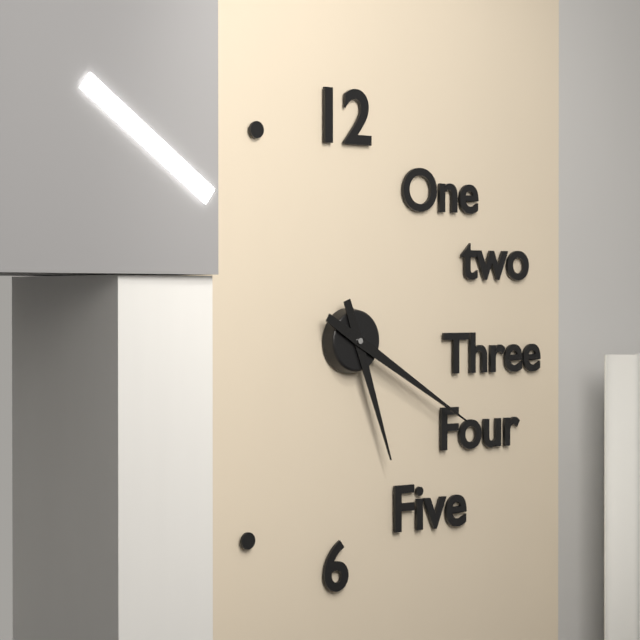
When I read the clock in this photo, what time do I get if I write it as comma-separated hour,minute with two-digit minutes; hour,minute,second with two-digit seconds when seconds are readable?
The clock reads 5,20
